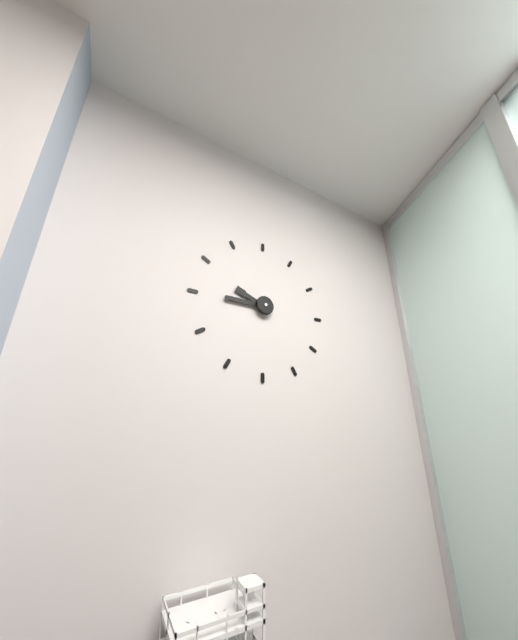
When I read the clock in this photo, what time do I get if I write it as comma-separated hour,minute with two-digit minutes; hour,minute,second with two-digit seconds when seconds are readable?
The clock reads 9,45
